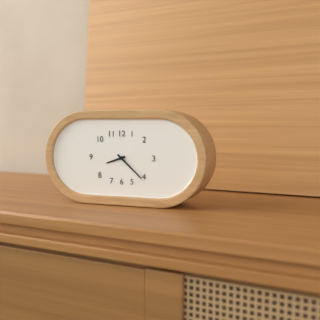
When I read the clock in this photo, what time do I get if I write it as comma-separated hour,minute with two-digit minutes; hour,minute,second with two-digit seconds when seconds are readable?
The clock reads 8,22
